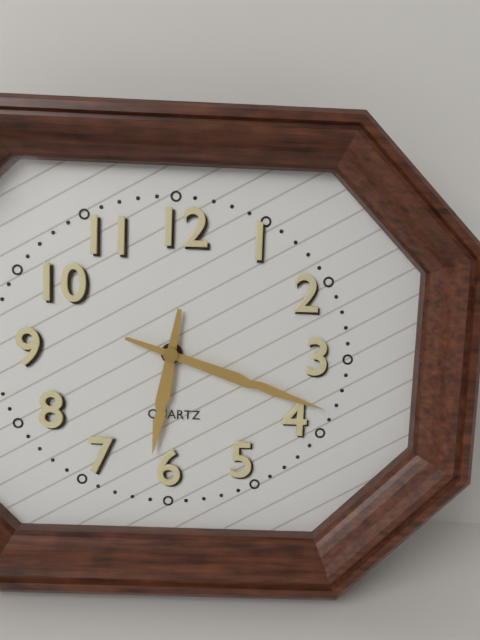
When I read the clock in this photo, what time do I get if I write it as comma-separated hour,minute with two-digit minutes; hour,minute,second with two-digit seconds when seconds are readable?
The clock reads 6,18
